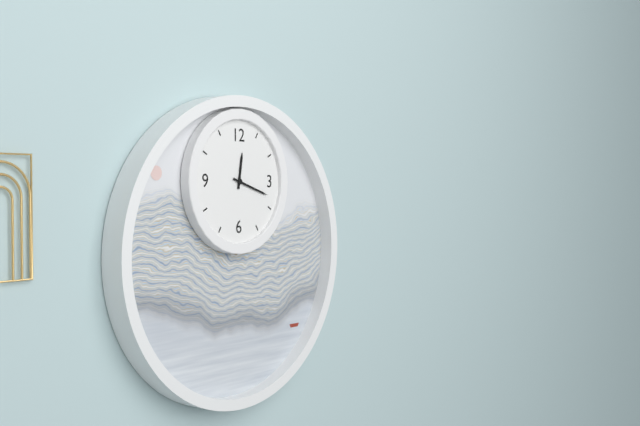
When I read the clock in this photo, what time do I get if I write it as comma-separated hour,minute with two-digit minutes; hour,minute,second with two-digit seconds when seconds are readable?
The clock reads 12,18
